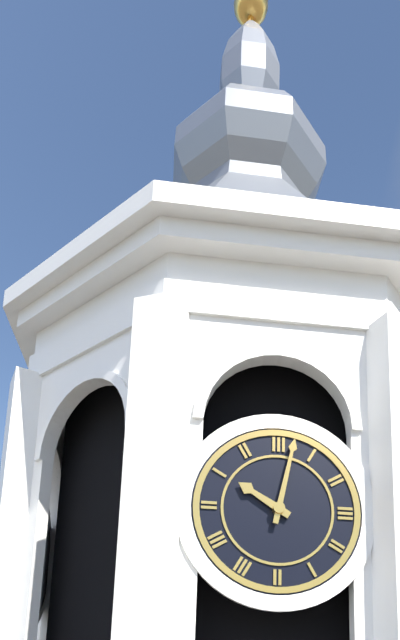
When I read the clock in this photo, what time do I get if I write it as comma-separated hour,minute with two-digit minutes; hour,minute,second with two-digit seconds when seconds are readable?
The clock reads 10,02
